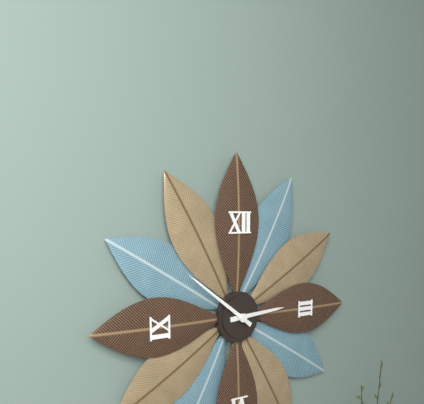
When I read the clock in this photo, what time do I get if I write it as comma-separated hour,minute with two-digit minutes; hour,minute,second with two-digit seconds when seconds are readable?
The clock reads 2,51
